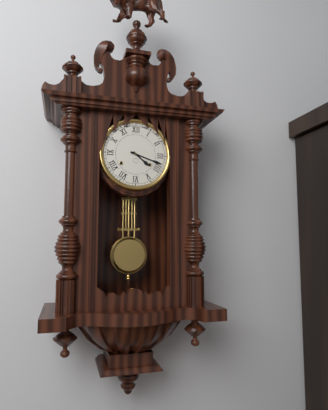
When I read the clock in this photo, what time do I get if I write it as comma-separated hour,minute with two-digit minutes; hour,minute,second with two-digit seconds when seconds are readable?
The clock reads 4,18
